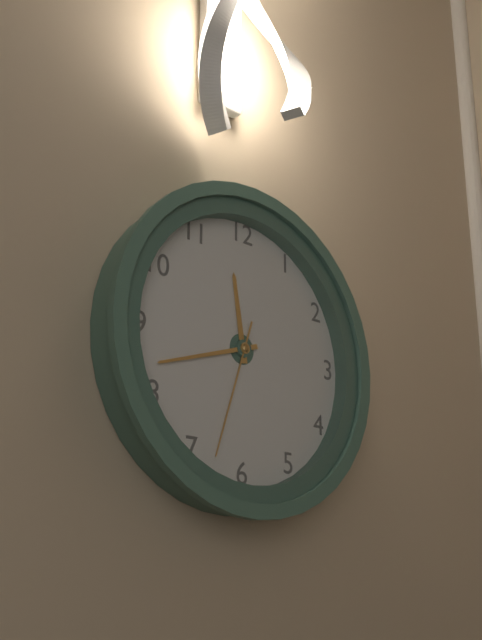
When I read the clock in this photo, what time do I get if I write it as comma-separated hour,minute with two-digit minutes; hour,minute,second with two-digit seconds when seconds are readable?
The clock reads 11,42,33
